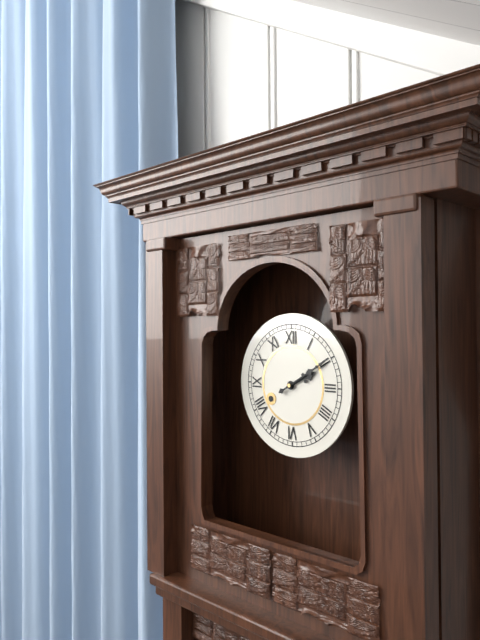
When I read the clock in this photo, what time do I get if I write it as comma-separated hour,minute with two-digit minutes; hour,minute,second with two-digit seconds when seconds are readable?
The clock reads 2,10
